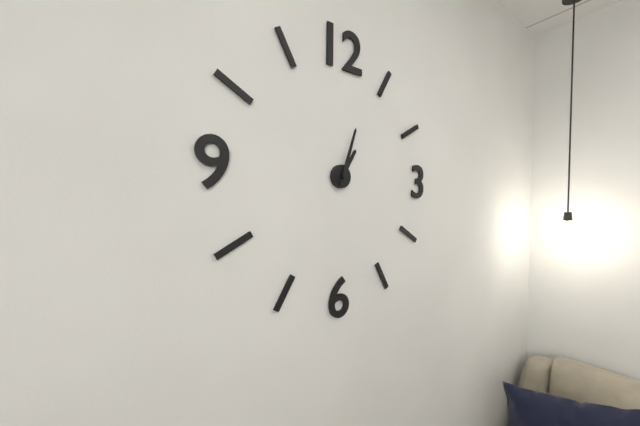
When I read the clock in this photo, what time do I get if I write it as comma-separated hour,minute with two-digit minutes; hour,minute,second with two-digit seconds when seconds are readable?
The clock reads 1,03
